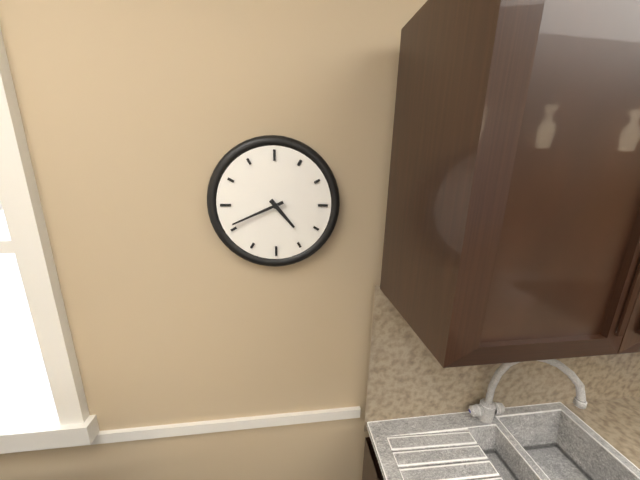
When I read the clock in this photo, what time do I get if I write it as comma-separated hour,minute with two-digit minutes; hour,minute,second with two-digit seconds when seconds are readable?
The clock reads 4,41
